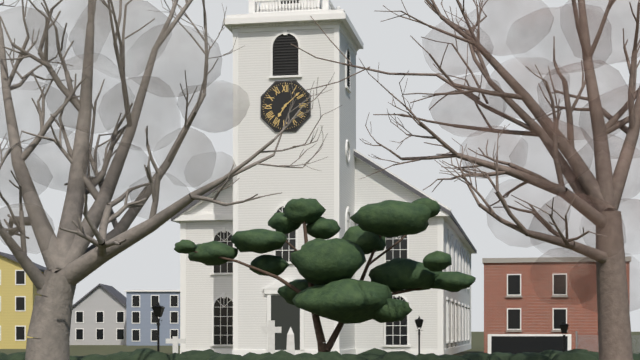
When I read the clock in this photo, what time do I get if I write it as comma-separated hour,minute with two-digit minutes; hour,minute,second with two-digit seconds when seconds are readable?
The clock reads 7,08
